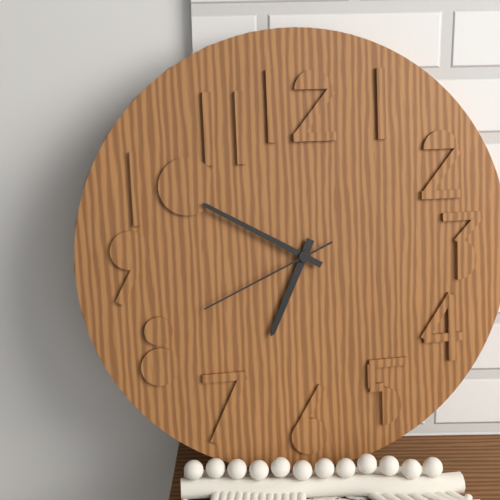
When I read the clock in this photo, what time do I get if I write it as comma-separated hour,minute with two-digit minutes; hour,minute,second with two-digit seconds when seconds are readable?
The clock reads 6,50,41
